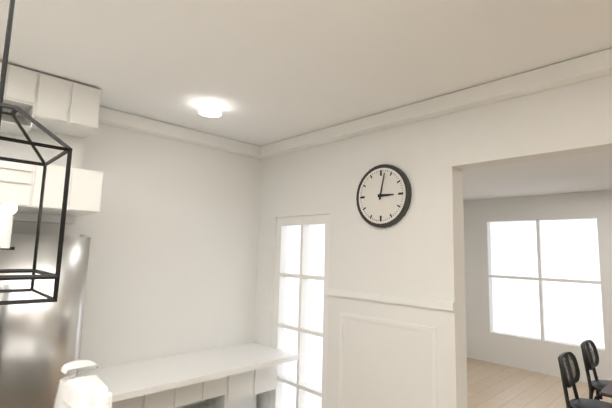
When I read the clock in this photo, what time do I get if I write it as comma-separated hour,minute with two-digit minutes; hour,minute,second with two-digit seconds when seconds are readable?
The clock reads 3,02
